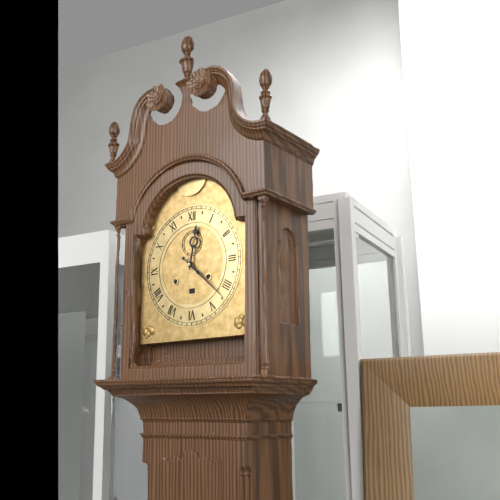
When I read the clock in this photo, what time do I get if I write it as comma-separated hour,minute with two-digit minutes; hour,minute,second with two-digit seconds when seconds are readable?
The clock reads 12,22
